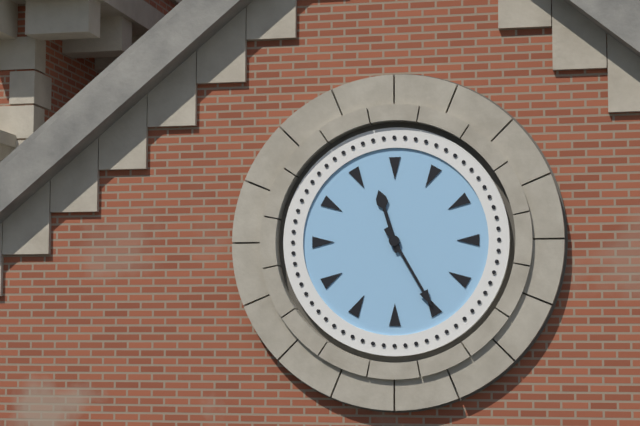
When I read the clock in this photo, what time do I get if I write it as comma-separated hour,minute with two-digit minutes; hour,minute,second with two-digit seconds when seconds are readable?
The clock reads 11,25
